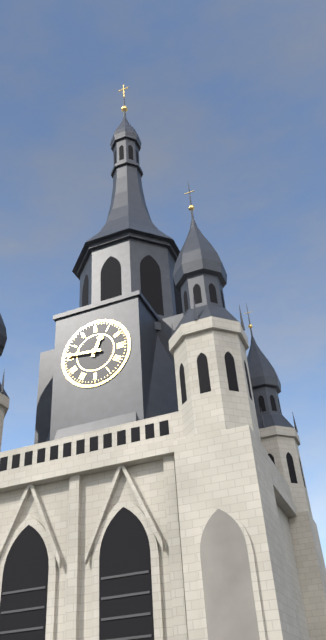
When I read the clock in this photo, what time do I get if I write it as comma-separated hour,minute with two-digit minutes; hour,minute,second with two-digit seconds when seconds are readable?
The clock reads 12,46
